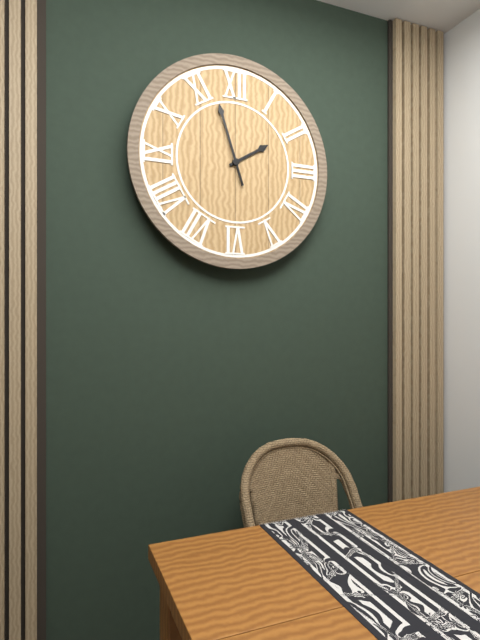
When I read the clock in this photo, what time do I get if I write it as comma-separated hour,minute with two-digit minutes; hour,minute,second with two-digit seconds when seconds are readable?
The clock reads 1,57
